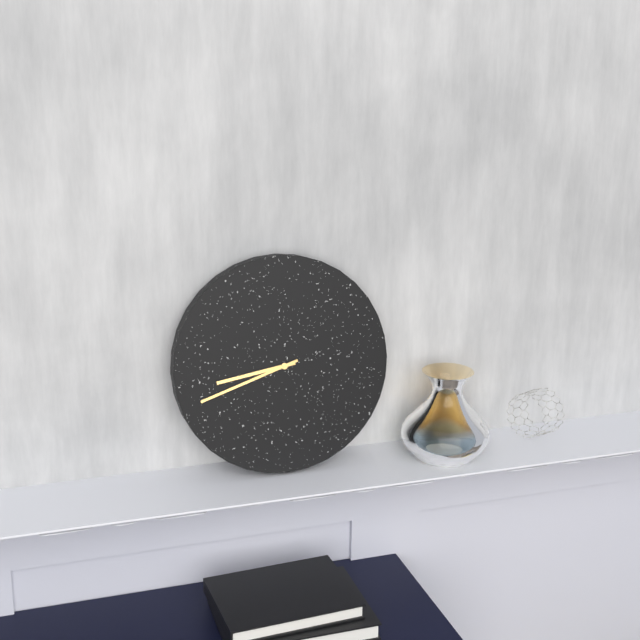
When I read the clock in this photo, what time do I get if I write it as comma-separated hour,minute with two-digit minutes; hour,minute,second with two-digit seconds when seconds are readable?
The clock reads 8,42
